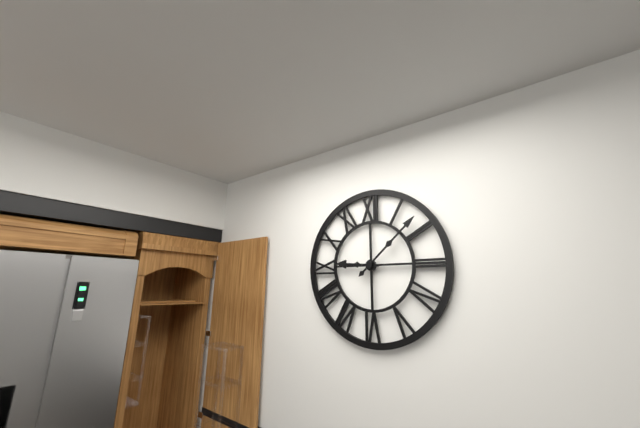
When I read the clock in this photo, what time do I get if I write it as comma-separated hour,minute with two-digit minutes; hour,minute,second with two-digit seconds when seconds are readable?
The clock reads 9,08
